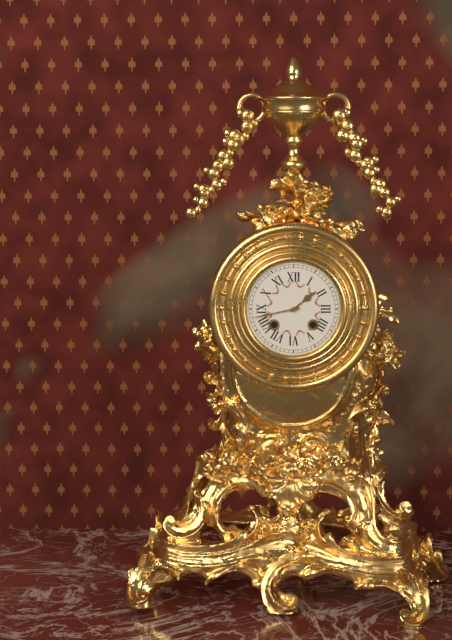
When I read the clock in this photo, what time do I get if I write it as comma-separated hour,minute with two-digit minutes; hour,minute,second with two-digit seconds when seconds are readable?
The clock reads 1,43
